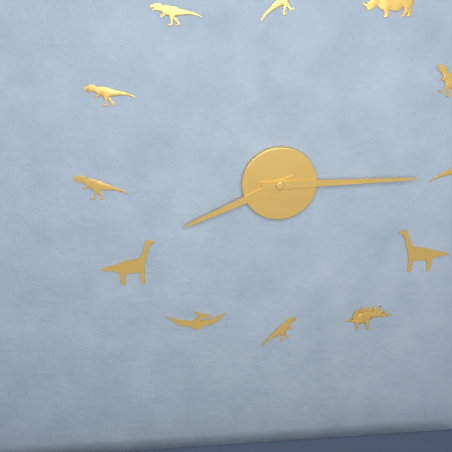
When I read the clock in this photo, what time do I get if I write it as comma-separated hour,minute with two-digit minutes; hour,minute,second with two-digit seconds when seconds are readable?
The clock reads 8,15
